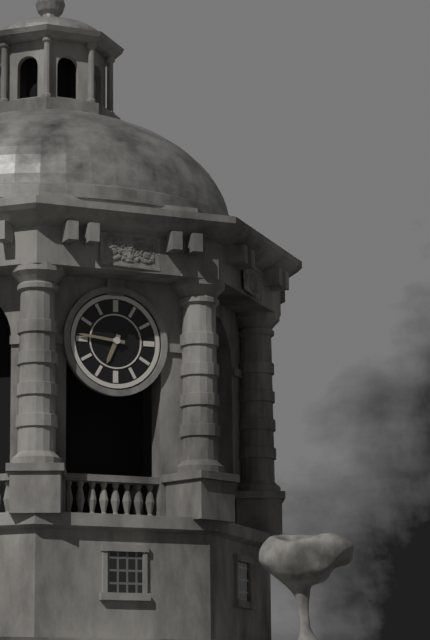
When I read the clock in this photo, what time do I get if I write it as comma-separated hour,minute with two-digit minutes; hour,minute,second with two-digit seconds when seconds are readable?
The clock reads 6,46
